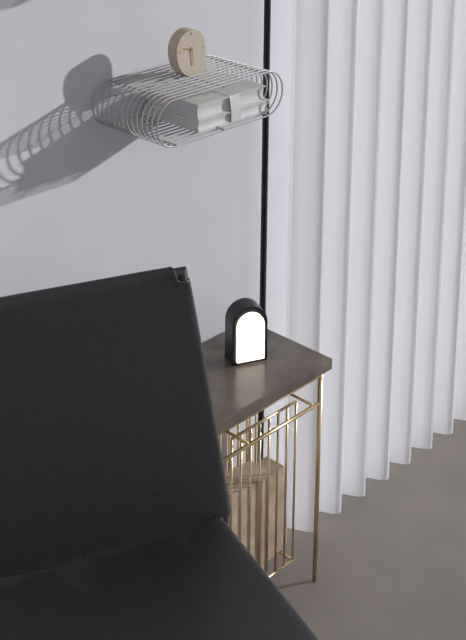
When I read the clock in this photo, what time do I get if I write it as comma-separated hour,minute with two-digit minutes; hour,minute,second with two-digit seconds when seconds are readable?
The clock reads 9,29
